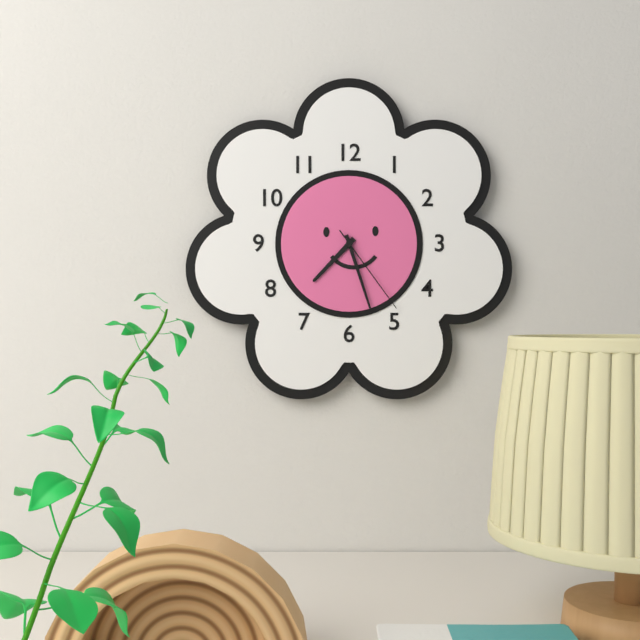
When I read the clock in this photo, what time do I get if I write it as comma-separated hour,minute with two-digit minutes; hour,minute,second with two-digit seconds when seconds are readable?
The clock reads 7,27,24
